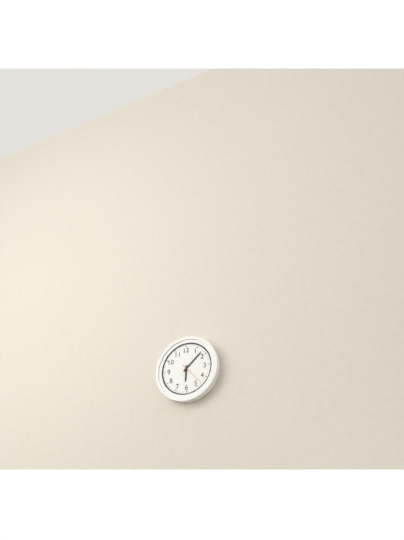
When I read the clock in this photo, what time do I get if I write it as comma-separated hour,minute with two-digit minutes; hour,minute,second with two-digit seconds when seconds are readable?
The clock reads 6,08
